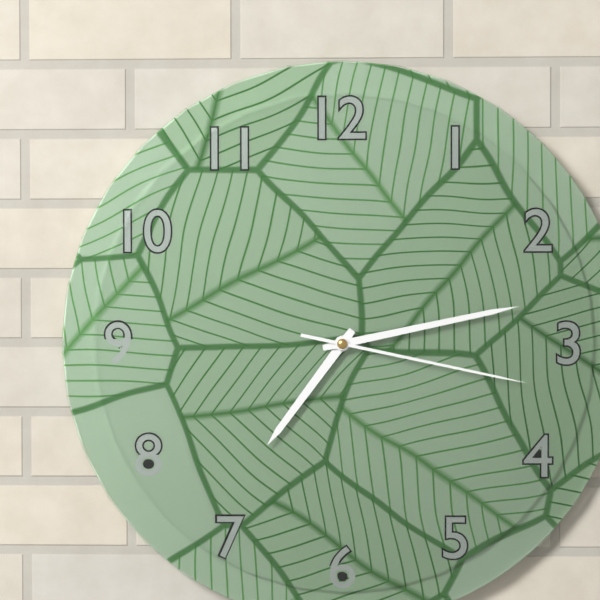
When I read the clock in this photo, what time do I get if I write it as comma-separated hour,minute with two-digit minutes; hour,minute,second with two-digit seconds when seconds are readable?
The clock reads 7,13,17
